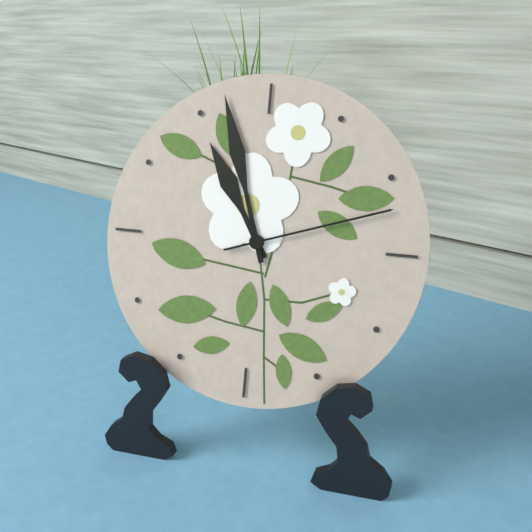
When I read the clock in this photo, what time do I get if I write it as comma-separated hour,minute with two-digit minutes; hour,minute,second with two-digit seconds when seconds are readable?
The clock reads 10,57,12
